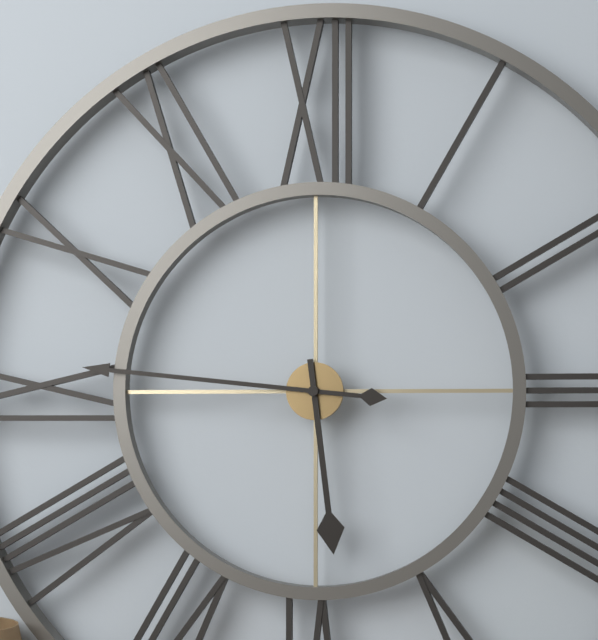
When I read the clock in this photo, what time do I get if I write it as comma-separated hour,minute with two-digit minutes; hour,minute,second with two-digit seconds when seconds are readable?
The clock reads 5,46
